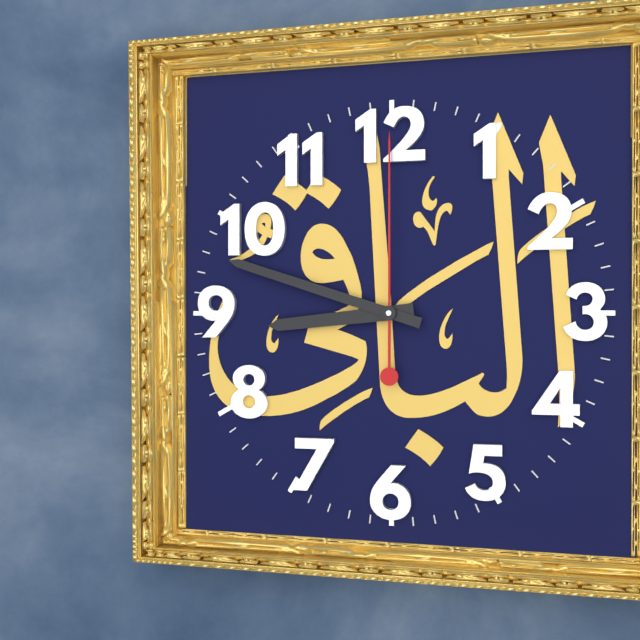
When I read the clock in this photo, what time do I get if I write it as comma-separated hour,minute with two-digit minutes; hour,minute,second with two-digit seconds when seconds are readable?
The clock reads 8,48,00
